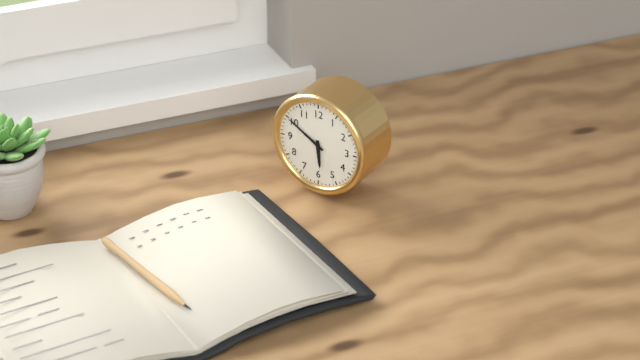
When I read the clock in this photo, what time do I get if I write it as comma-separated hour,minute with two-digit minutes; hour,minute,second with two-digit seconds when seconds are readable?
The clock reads 5,50
